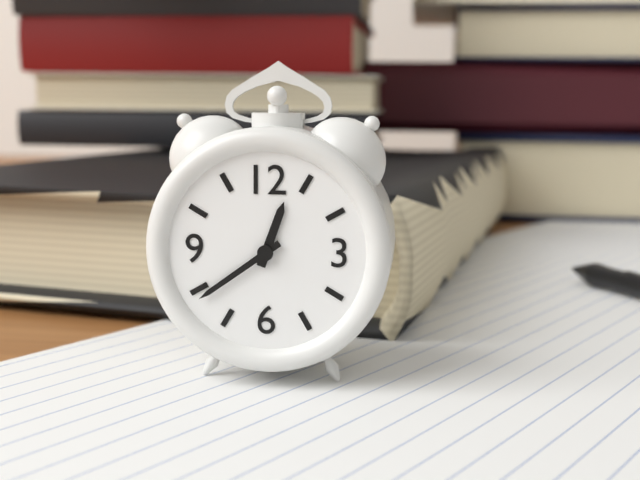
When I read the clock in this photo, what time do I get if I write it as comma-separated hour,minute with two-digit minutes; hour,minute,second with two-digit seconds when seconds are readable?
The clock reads 12,39
